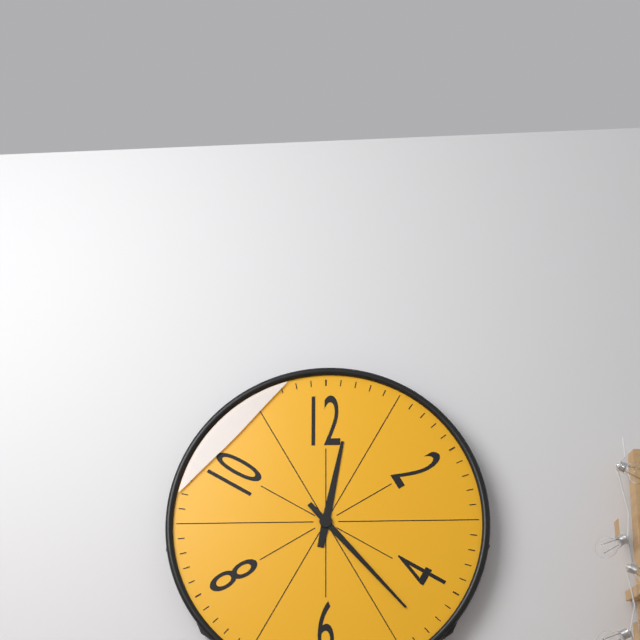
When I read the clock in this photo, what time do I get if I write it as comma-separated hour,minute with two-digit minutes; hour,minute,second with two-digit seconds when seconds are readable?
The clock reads 12,23
